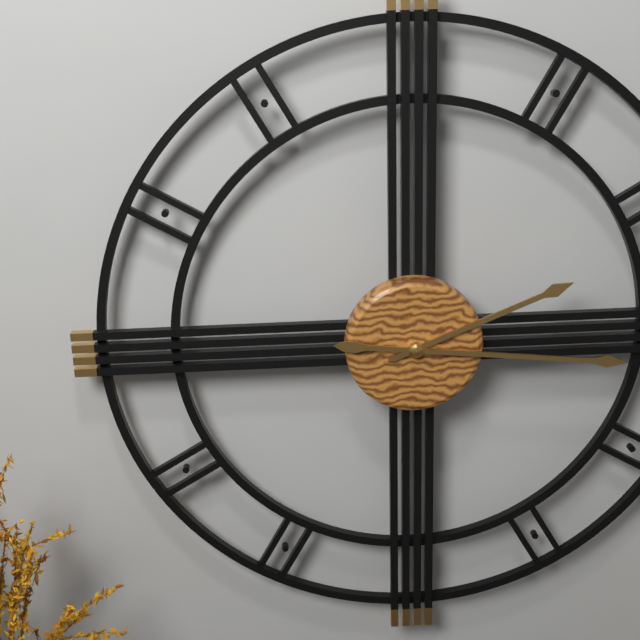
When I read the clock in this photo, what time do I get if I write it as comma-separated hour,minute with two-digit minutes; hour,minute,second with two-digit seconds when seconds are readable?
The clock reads 2,16
